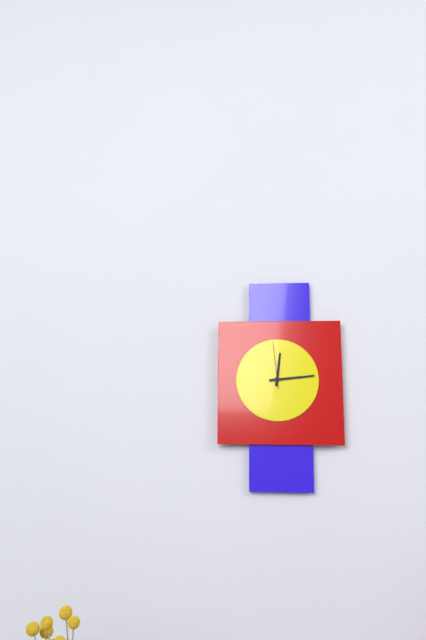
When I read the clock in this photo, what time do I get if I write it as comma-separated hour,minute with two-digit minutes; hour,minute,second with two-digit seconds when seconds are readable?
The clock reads 12,14
